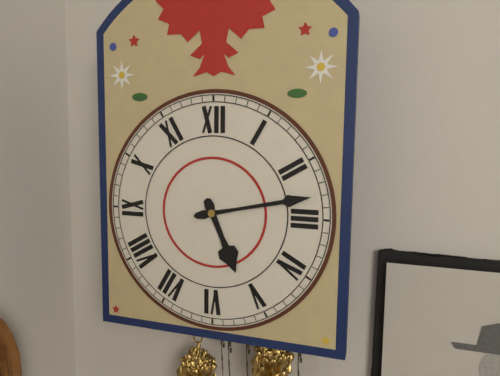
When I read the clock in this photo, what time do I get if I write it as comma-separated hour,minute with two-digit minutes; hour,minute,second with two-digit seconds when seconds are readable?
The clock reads 5,13
